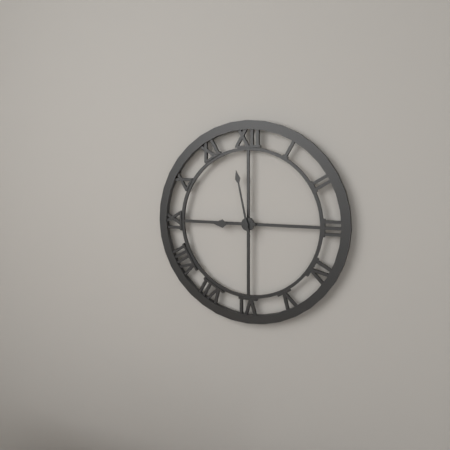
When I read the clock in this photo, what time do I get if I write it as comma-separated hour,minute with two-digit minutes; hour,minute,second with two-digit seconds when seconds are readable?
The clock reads 8,58
